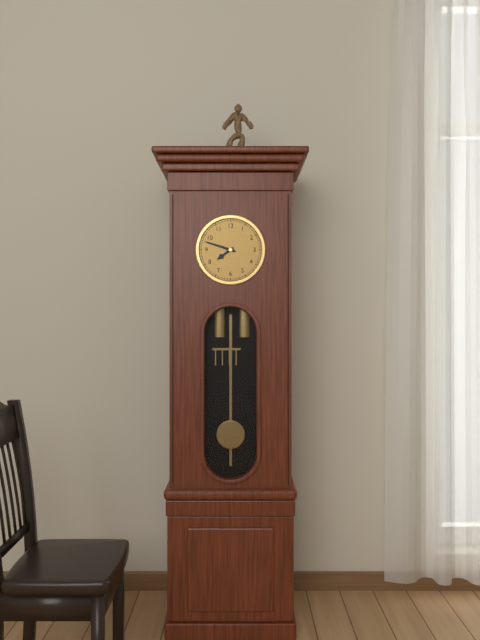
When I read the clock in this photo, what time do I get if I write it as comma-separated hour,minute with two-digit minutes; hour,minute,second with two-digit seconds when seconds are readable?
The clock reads 7,48
